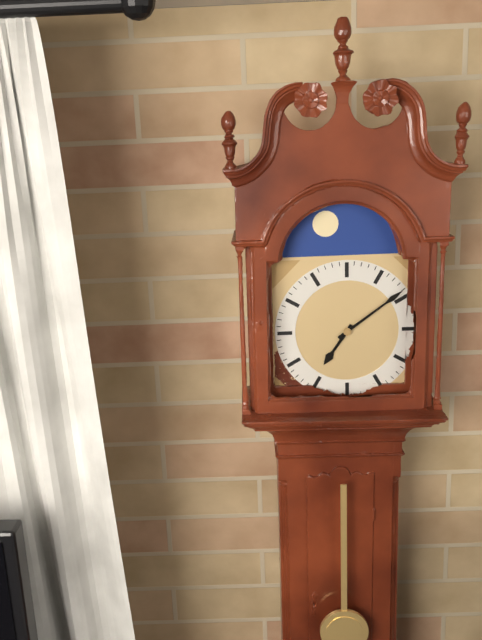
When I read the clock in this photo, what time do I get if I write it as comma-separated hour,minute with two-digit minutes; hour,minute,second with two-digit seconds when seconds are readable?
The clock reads 7,09
